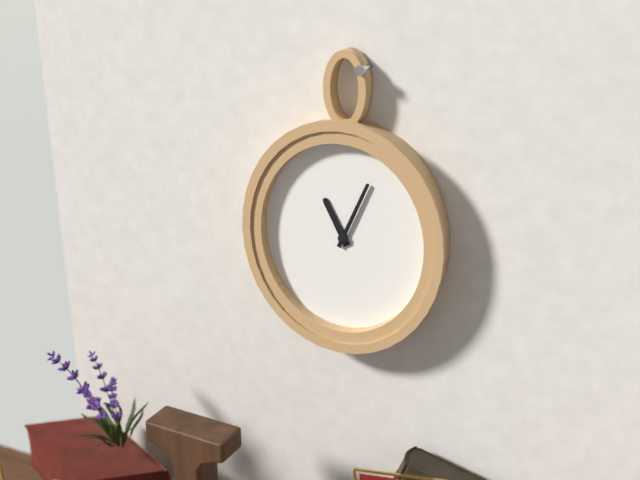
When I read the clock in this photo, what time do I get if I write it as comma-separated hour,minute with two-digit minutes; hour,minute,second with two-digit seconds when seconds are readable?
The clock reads 11,04
